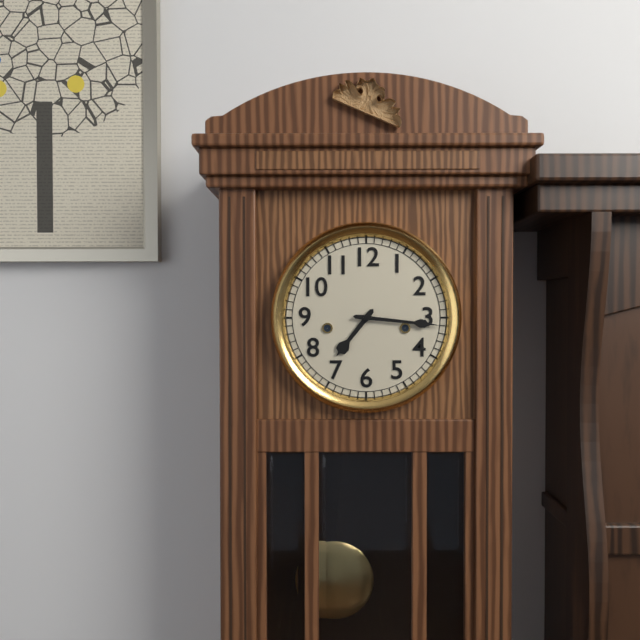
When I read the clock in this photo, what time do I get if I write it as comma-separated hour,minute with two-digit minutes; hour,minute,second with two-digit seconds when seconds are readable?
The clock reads 7,16
